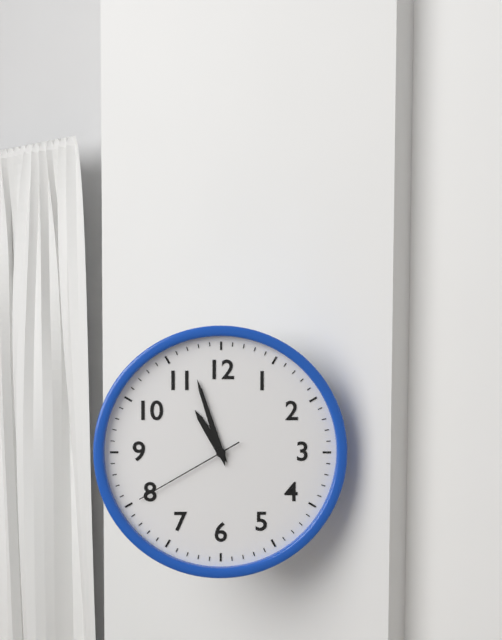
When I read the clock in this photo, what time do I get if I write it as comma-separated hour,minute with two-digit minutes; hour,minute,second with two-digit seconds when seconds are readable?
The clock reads 10,57,40
